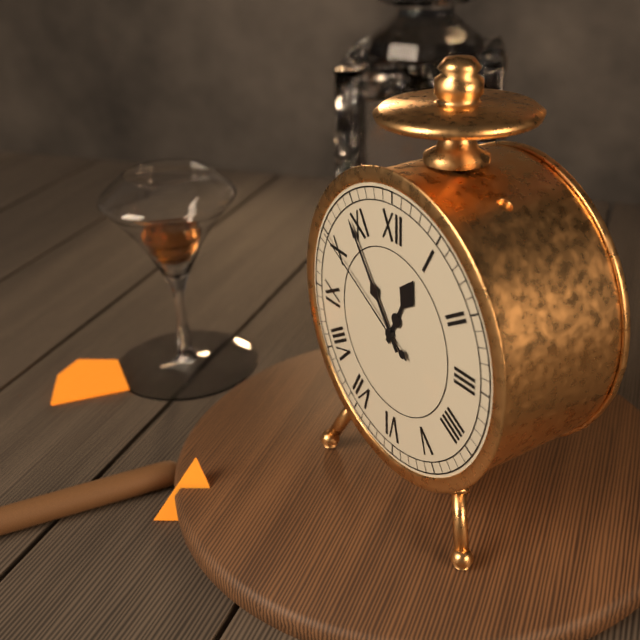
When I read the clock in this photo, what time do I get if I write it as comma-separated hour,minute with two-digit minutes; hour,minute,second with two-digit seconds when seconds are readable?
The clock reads 12,54,50
